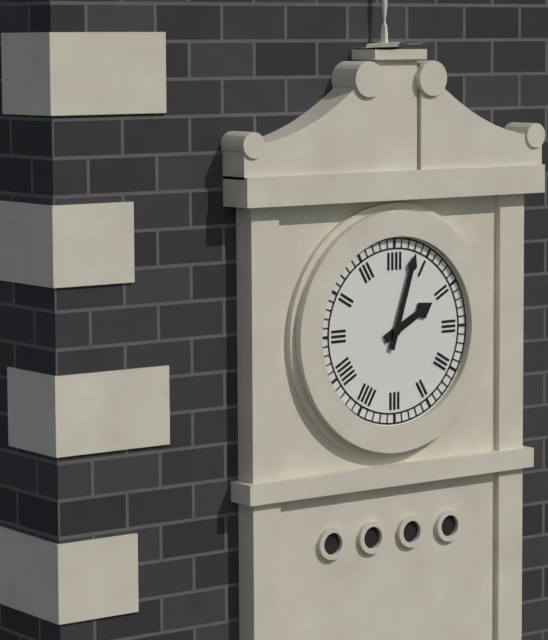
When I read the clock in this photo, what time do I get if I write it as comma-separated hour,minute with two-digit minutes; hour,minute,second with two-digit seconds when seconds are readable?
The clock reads 2,03
